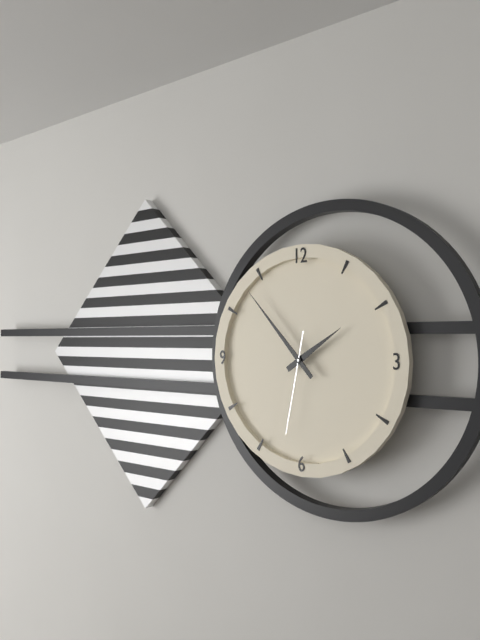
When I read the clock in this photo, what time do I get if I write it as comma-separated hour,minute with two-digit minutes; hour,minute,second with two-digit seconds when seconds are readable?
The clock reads 1,53,32
